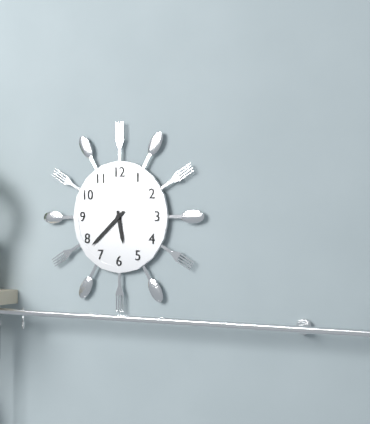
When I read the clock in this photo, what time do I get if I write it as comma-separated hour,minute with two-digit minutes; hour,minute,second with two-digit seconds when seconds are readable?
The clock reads 5,38
